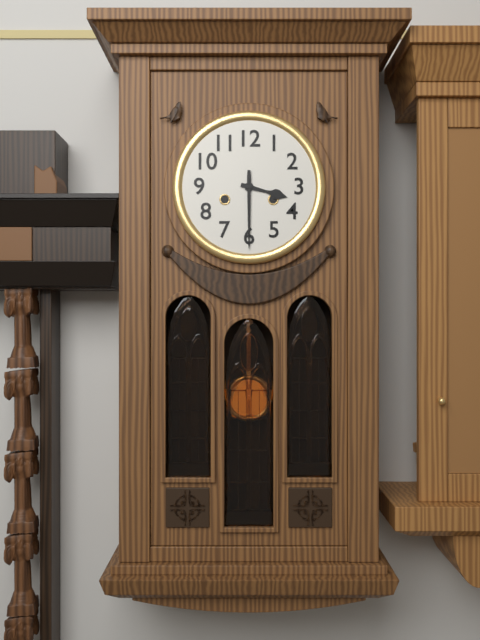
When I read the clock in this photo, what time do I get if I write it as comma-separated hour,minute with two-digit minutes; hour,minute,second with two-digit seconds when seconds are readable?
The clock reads 3,30
